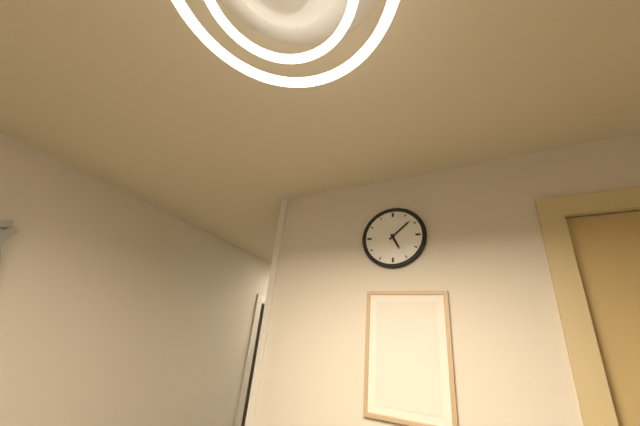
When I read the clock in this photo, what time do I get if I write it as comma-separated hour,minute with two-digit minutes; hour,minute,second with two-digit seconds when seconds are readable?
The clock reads 5,08
